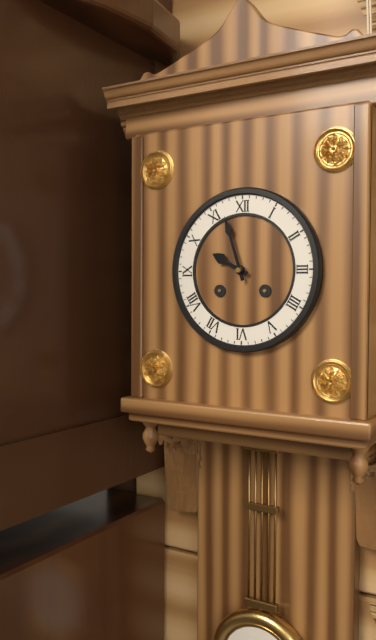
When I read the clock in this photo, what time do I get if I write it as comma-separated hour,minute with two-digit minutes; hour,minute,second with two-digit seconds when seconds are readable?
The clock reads 9,57
